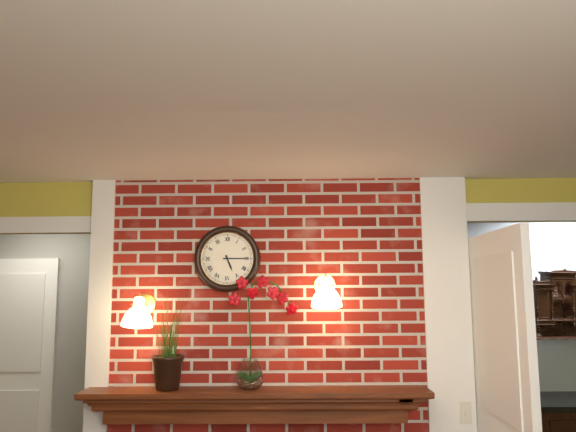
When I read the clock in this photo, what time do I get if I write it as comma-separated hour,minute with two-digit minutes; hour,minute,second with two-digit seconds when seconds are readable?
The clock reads 5,15
